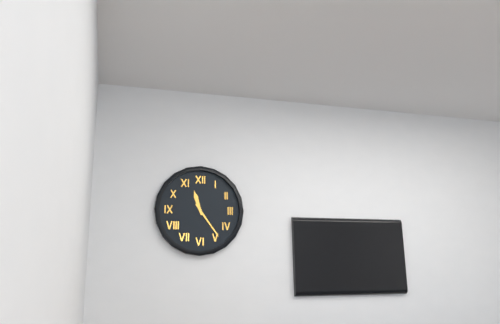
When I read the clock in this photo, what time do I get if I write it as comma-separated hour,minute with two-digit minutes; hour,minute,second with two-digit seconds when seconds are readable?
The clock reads 11,24
